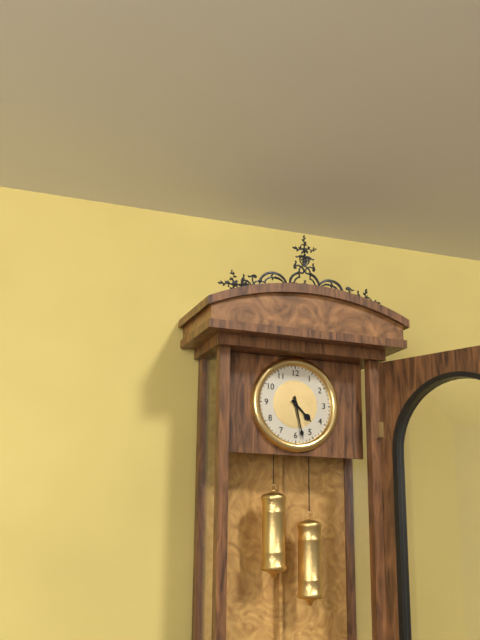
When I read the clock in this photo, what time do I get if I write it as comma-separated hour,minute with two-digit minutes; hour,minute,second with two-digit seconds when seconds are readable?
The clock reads 4,28
